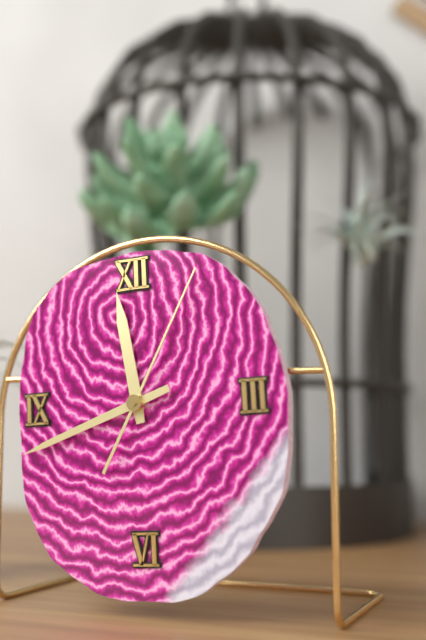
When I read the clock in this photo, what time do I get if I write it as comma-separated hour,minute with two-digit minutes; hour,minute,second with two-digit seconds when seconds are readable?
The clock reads 11,42,05
